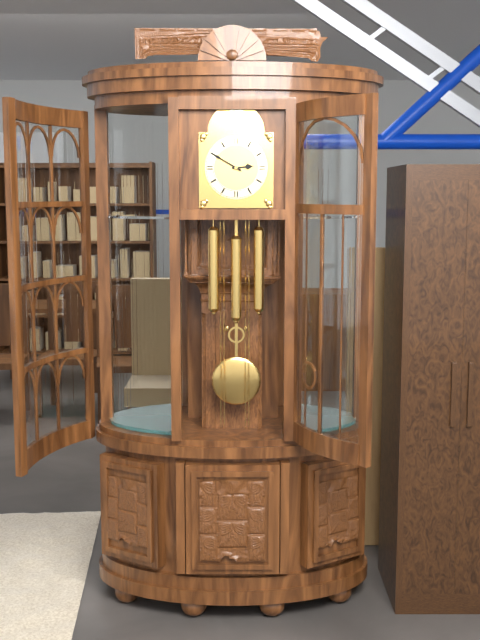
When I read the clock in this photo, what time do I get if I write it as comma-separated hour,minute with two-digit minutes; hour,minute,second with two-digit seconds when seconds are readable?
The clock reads 2,50
